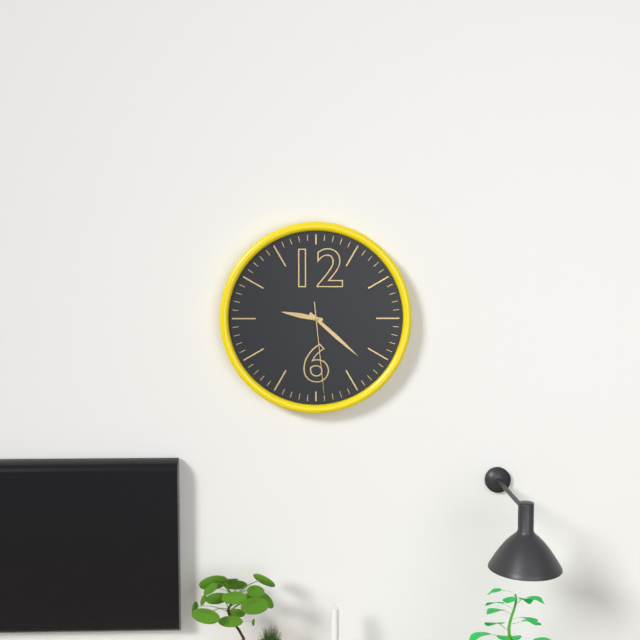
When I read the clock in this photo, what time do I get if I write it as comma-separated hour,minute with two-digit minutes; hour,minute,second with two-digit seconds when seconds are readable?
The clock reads 9,22,29
